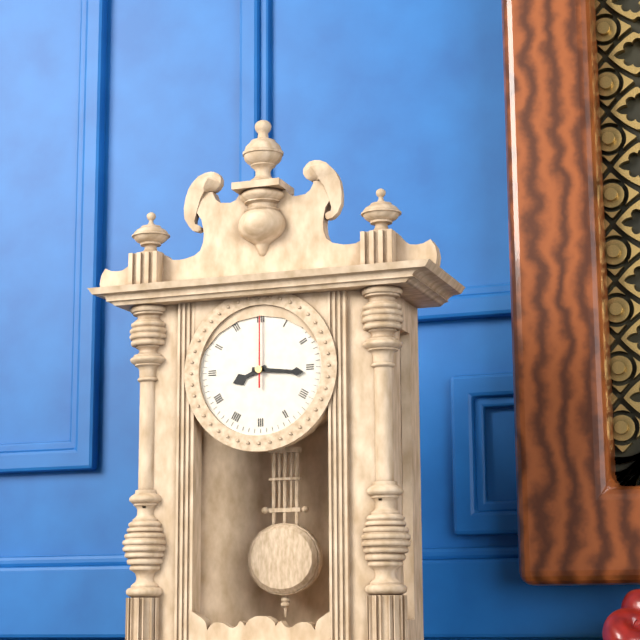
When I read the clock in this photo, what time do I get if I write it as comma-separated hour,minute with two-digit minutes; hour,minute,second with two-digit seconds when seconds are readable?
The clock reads 8,16,00
